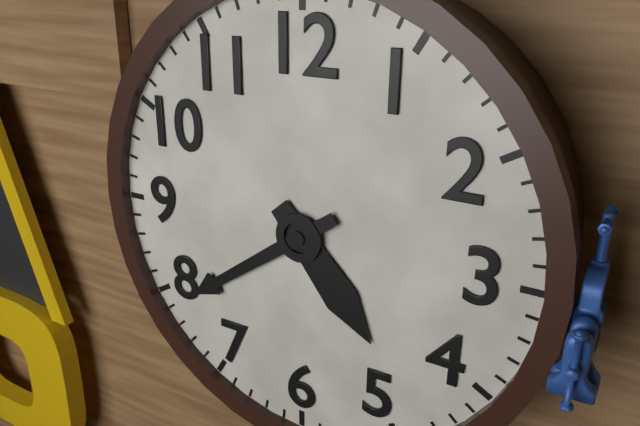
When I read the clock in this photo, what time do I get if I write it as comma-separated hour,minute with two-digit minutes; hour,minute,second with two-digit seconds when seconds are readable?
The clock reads 4,39
